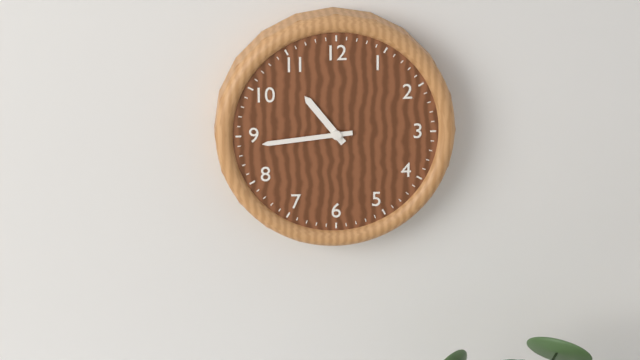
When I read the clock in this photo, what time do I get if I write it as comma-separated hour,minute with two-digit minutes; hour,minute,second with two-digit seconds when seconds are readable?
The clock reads 10,44
